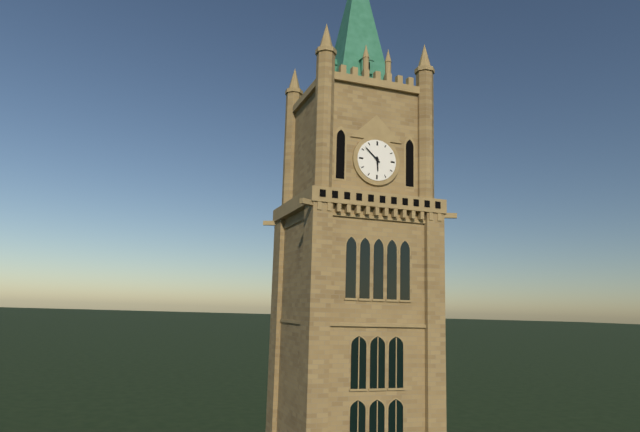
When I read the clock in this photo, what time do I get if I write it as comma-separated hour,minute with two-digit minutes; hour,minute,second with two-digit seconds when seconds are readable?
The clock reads 5,52
